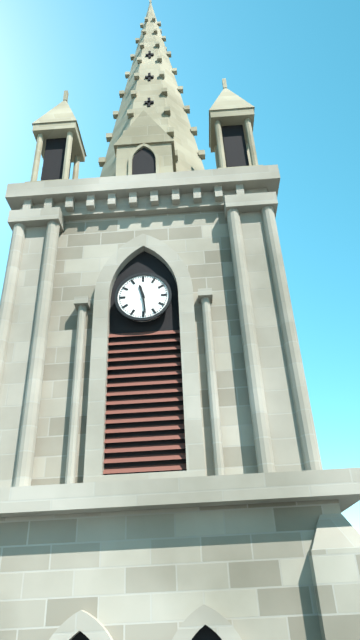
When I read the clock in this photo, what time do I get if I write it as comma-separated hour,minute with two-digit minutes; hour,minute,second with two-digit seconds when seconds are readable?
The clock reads 11,29
